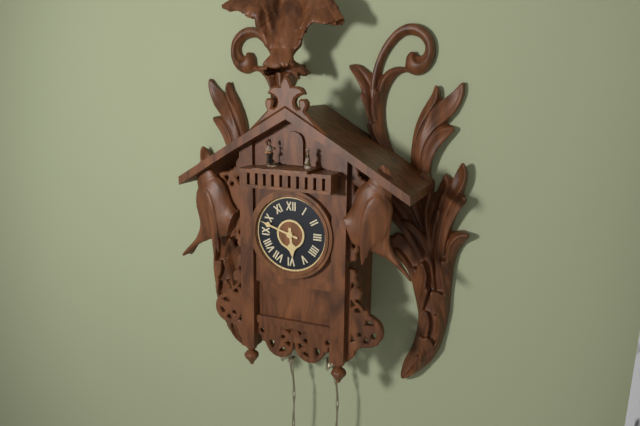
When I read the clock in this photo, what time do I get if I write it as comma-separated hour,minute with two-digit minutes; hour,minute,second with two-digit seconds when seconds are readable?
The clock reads 5,48
